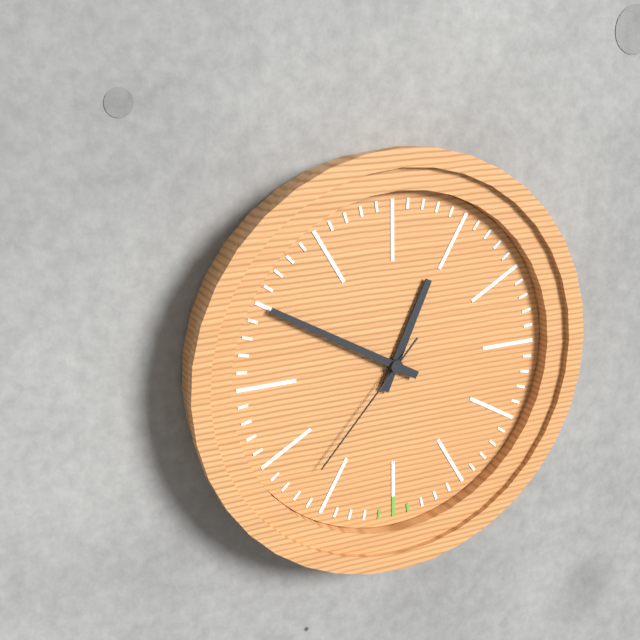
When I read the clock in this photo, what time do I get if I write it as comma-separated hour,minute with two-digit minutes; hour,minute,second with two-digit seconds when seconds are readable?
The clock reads 12,50,37
